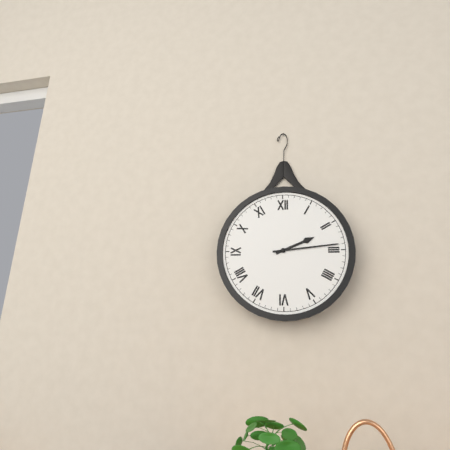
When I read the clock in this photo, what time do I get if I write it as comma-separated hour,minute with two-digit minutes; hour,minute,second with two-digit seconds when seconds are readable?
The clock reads 2,14
